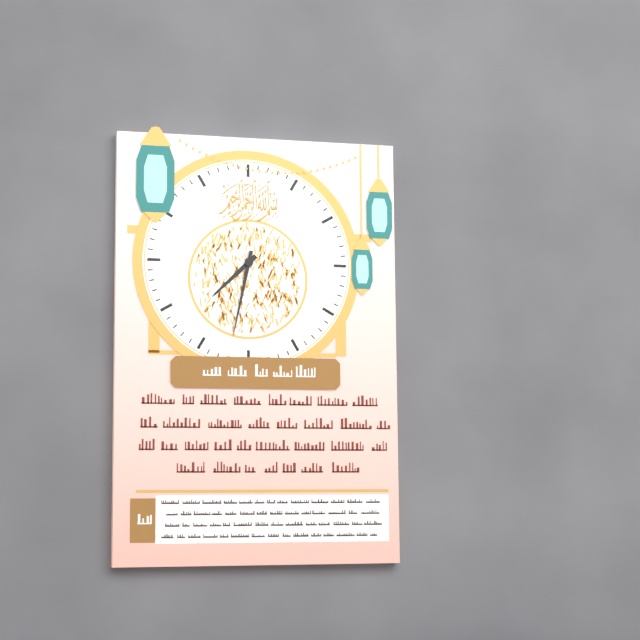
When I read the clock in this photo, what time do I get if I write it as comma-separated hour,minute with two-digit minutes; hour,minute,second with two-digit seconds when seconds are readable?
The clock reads 7,32
